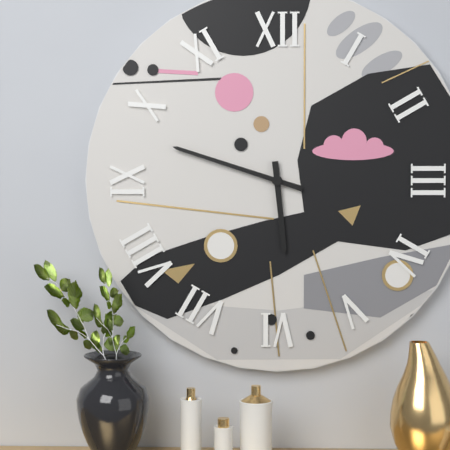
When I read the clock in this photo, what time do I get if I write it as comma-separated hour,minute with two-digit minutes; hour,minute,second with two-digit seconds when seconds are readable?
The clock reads 5,48
